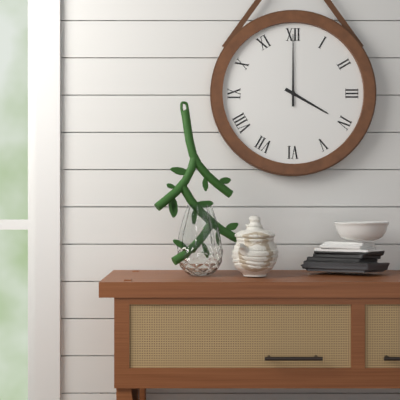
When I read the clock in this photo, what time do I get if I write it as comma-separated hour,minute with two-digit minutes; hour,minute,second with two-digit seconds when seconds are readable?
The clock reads 4,00
